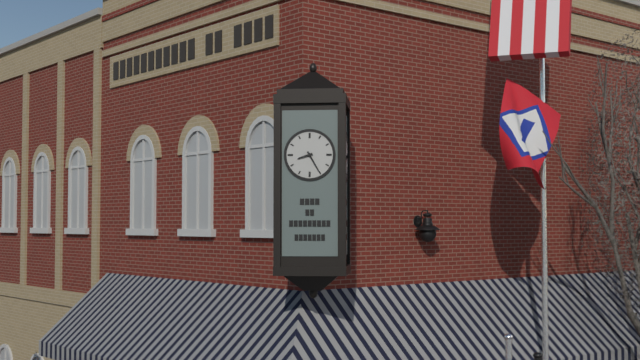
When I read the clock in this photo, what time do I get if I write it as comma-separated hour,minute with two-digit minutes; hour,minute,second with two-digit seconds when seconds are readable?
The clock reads 8,25
